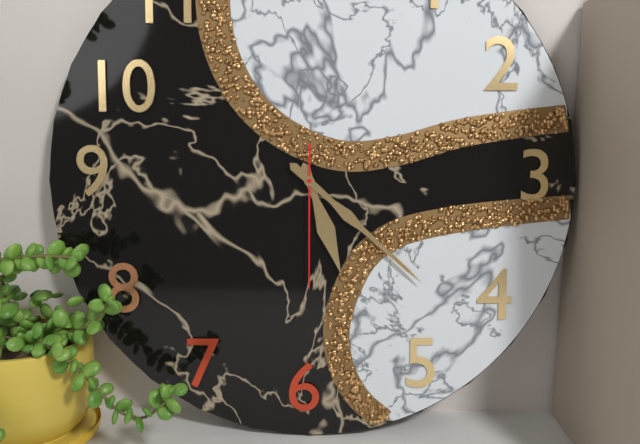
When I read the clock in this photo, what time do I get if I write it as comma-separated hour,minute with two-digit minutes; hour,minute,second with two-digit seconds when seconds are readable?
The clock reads 5,22,30
